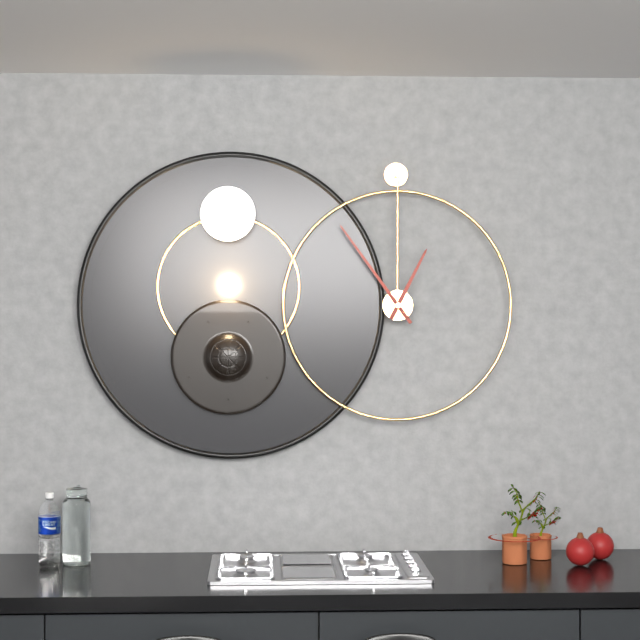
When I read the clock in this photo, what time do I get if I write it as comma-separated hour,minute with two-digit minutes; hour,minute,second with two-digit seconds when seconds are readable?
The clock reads 12,54
